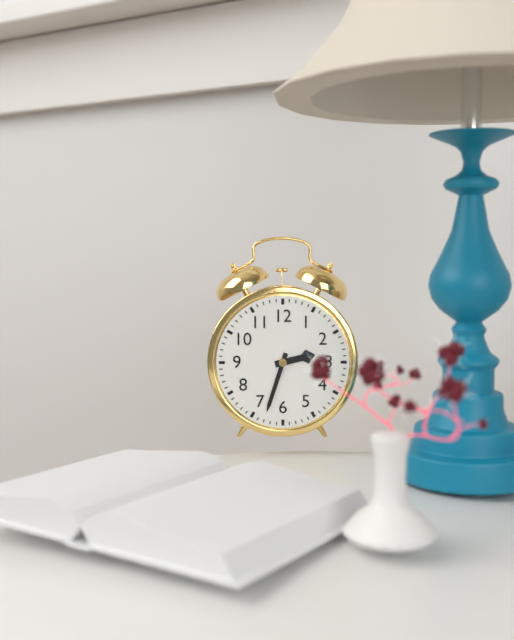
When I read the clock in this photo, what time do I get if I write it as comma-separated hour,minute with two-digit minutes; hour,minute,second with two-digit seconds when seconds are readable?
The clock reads 2,33
